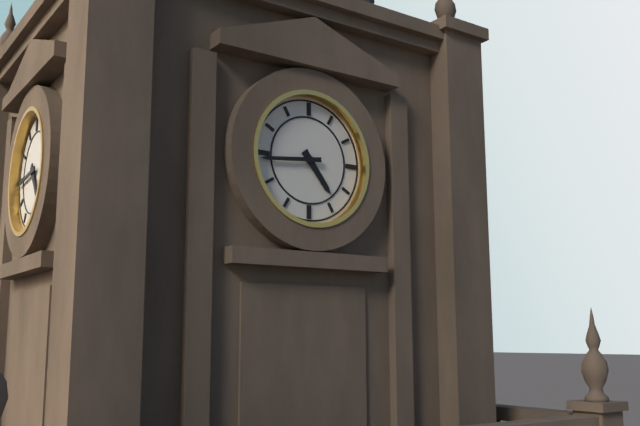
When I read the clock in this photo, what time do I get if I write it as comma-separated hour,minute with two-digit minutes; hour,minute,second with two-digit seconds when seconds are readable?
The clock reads 4,44
